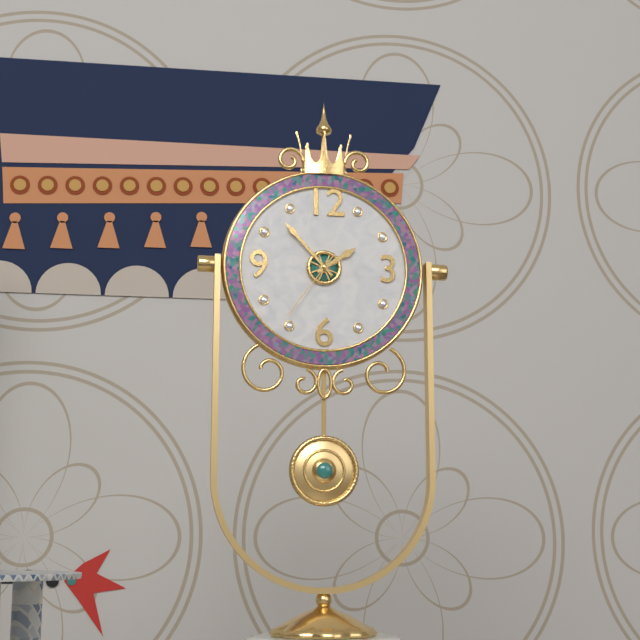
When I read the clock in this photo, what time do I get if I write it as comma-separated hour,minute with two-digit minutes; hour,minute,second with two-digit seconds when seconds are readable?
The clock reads 1,53,36
